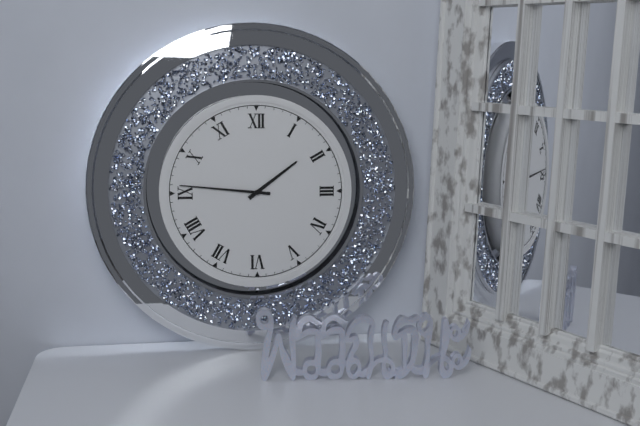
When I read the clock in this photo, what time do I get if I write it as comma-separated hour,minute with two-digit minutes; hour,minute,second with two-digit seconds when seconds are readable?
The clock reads 1,46
